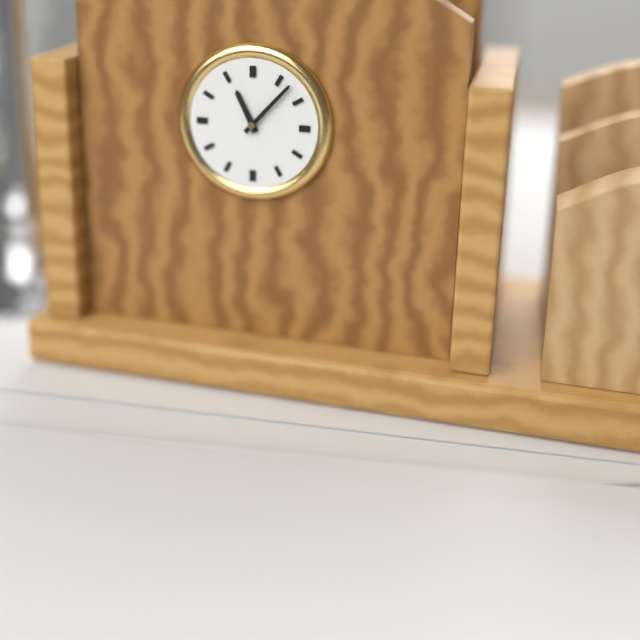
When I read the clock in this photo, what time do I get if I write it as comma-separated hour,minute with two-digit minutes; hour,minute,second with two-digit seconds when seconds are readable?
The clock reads 11,07
